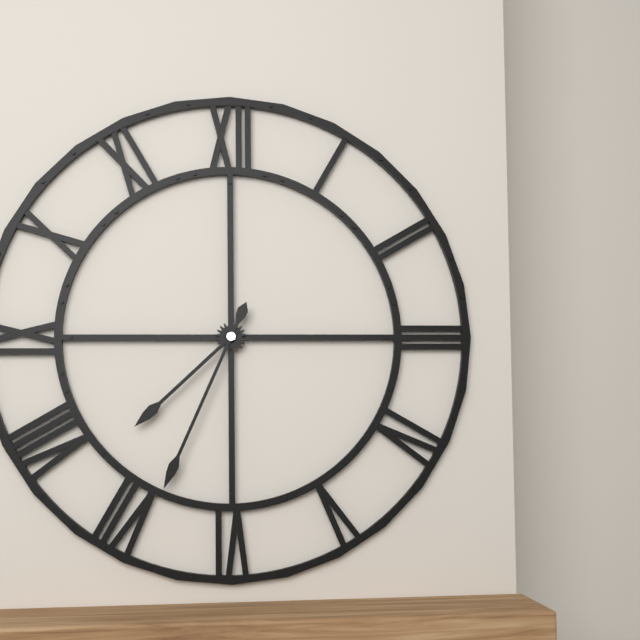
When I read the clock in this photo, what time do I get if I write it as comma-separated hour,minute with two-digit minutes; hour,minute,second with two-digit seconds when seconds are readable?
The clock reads 7,34
